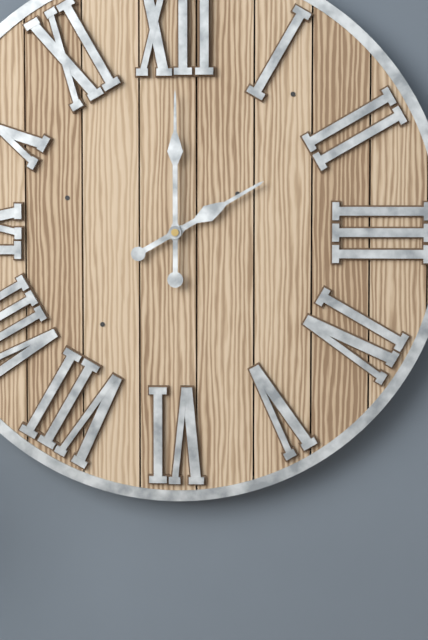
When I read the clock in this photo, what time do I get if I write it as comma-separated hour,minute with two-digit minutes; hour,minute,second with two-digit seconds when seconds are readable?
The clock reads 2,00
